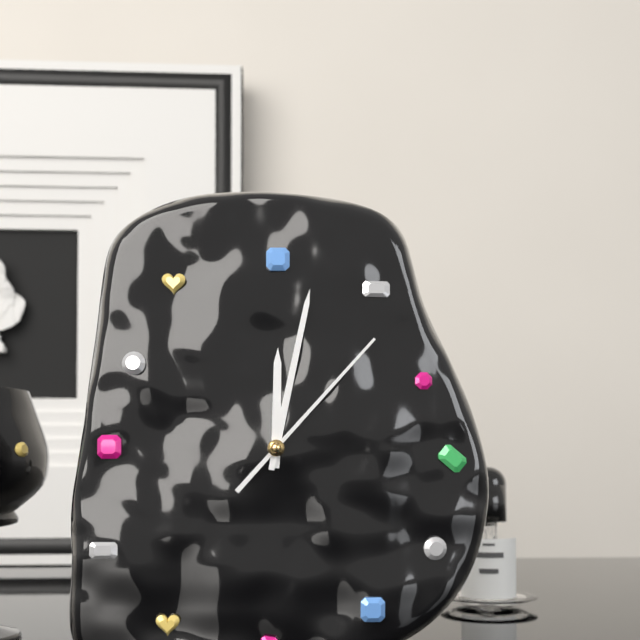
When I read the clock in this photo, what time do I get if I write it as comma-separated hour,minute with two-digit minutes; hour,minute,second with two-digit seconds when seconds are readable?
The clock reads 12,02,07
